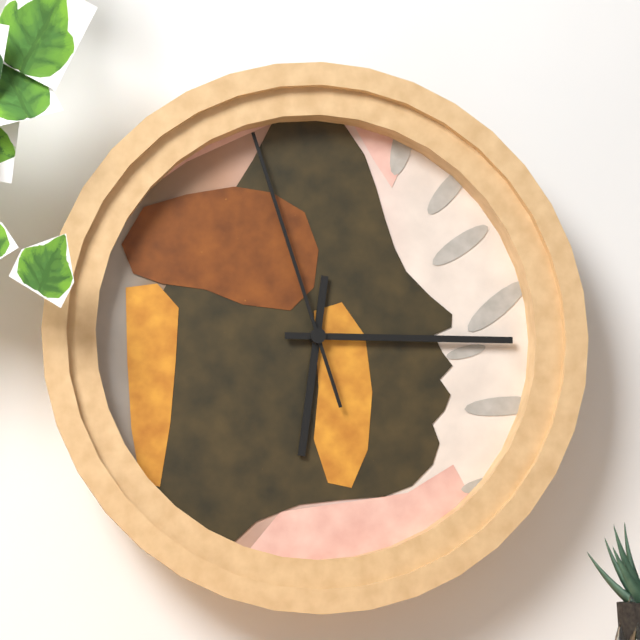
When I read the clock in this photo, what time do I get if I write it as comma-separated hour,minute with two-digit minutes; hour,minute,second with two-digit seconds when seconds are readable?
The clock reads 6,15,57
